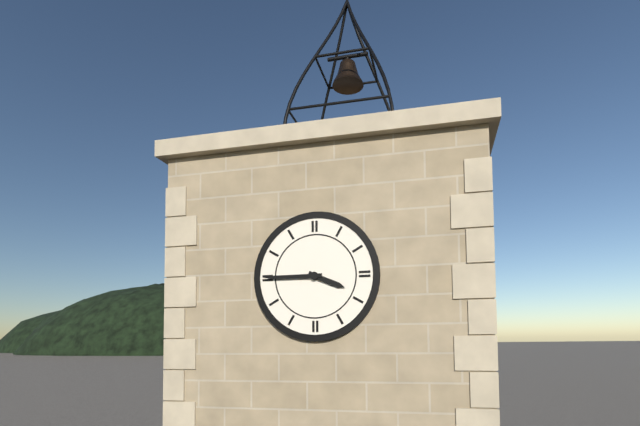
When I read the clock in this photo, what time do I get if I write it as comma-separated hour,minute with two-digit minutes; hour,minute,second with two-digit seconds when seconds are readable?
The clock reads 3,45
